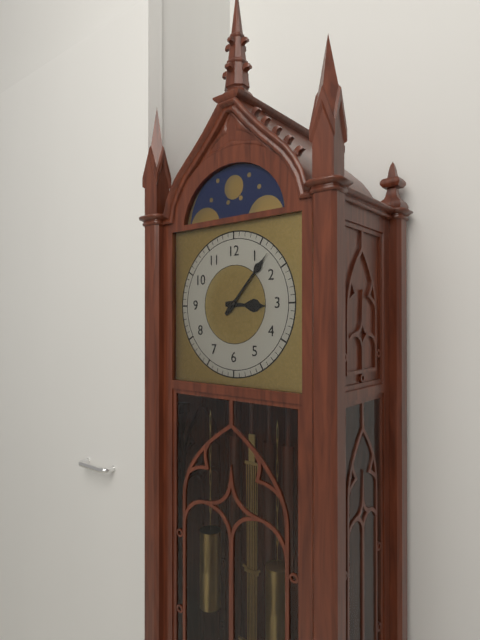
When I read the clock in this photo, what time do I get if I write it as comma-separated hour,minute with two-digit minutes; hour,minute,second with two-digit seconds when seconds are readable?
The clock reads 3,07
